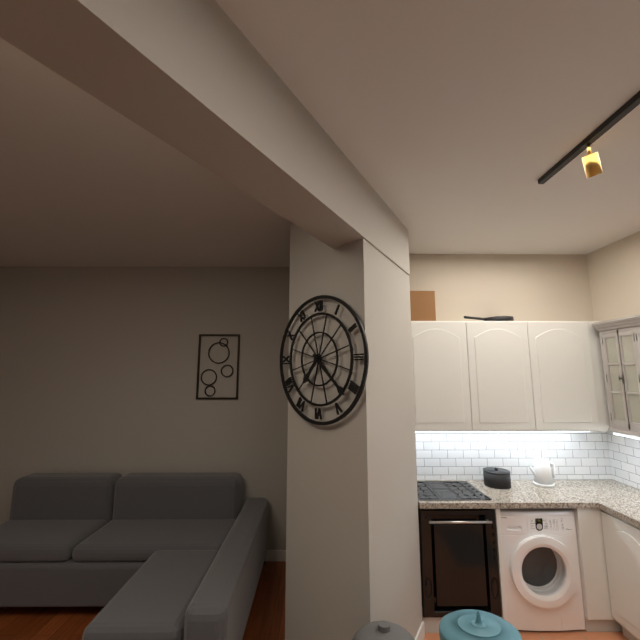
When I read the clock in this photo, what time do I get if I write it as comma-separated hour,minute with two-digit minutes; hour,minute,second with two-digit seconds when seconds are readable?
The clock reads 7,22
